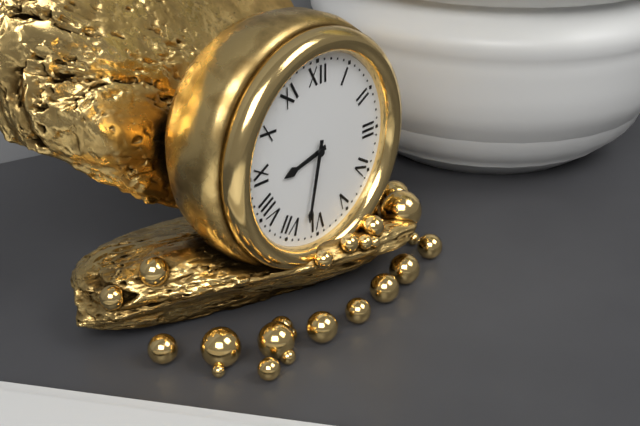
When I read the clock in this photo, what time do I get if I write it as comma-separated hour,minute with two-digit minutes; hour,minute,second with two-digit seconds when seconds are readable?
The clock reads 8,32
